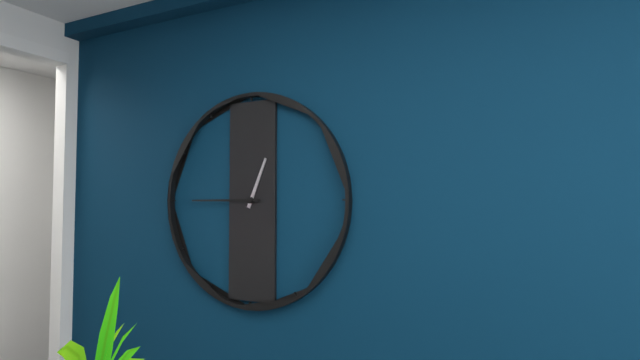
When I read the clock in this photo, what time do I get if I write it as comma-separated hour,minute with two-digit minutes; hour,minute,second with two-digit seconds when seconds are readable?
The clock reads 12,45
